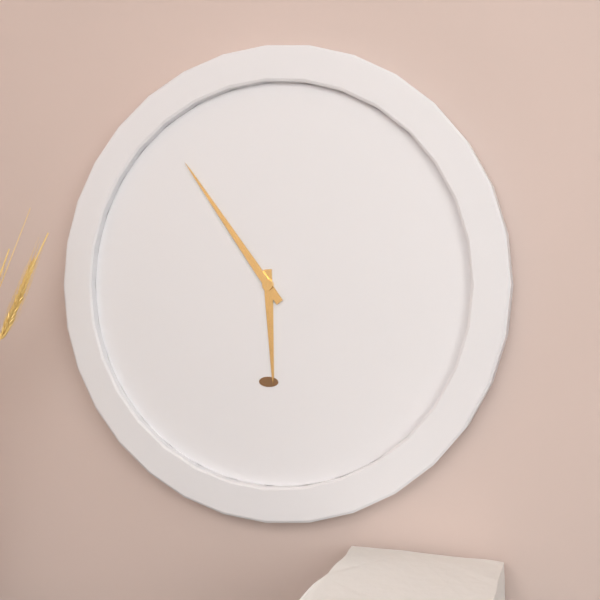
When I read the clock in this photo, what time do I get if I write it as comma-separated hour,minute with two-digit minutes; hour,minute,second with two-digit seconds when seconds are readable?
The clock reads 5,54
